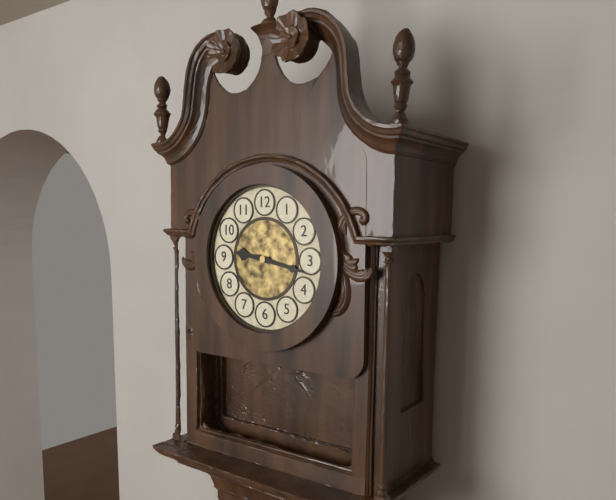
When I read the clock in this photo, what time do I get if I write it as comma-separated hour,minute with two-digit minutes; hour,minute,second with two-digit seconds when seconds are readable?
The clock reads 9,17
